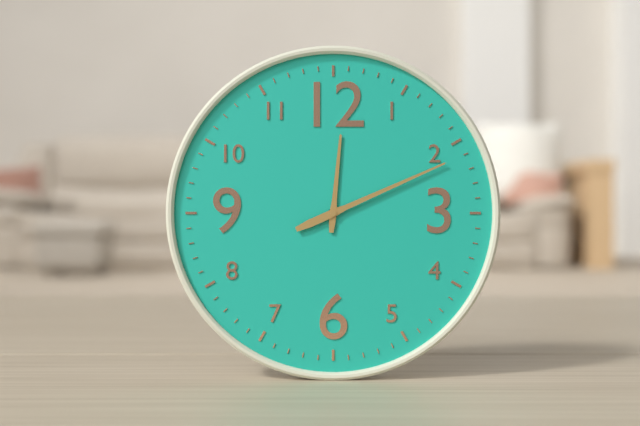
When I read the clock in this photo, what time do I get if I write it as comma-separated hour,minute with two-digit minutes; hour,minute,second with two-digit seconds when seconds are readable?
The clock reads 12,11
